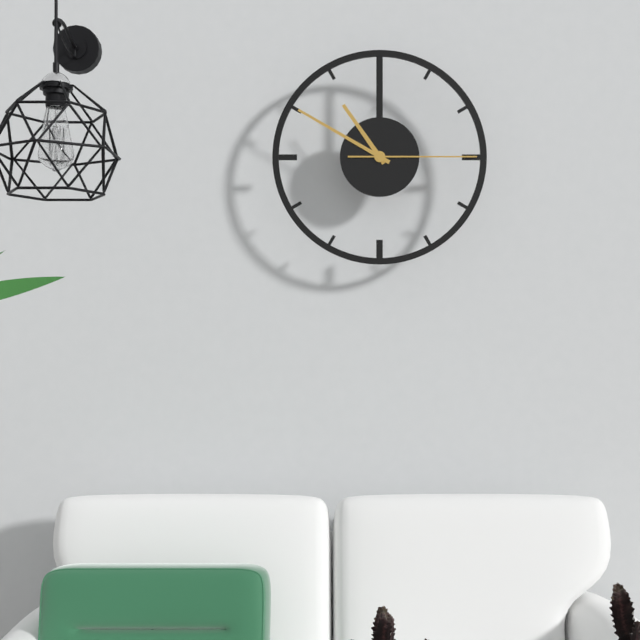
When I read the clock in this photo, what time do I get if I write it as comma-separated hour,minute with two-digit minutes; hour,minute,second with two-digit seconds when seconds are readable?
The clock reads 10,50,15
